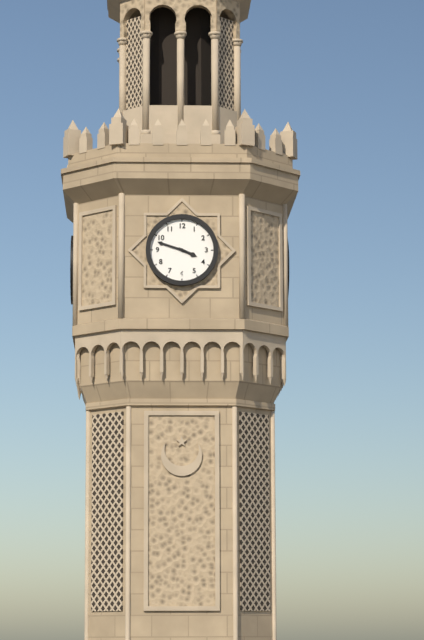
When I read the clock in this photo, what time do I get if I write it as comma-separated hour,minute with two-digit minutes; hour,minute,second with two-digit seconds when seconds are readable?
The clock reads 3,48
